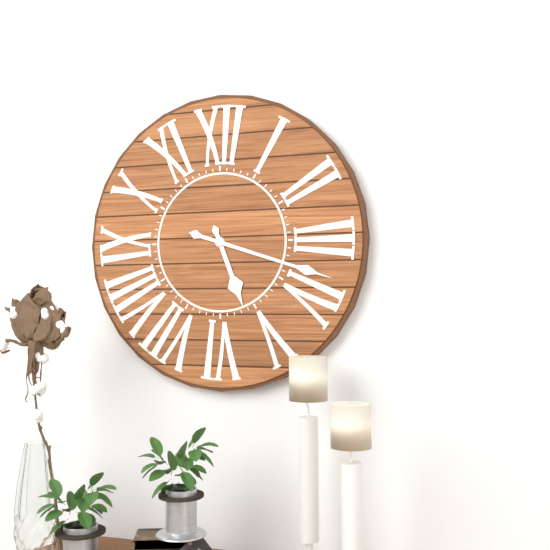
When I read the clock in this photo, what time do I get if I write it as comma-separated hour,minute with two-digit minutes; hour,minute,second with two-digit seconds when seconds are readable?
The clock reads 5,18
